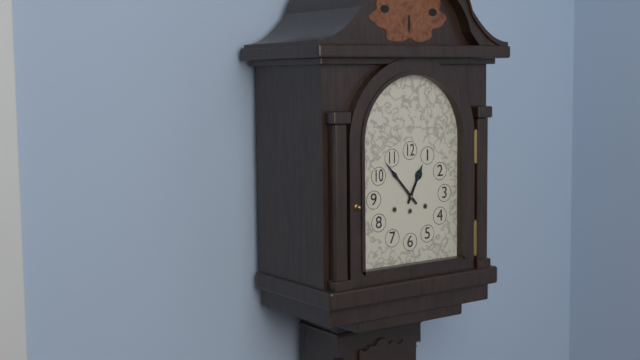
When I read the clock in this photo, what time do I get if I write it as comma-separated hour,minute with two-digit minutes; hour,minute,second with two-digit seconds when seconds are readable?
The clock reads 12,53
